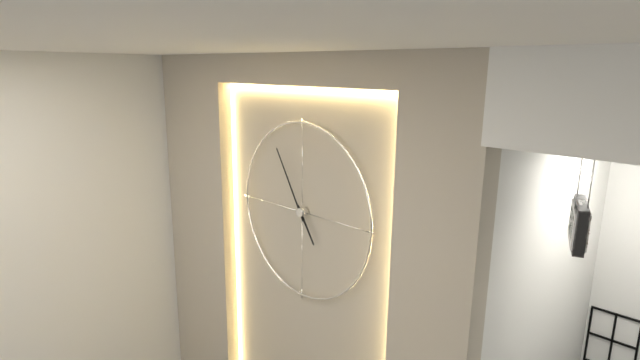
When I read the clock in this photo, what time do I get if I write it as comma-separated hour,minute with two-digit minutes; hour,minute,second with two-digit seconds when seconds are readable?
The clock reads 4,55
